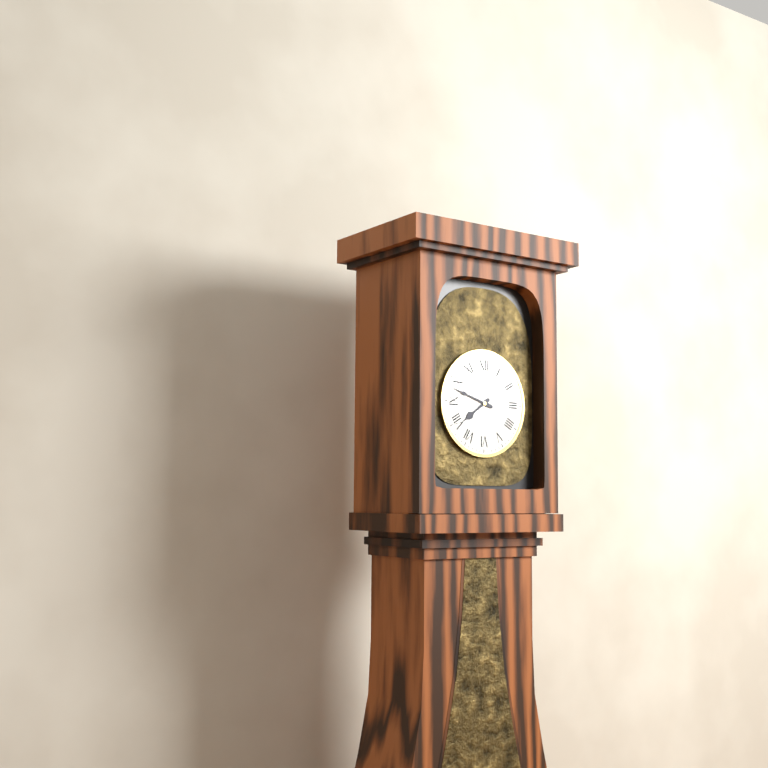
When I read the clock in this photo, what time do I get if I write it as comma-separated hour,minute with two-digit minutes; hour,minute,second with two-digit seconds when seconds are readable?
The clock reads 7,48
